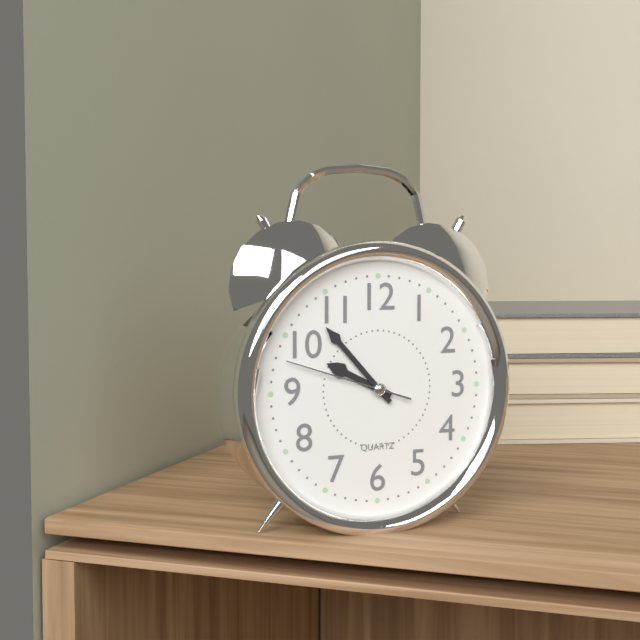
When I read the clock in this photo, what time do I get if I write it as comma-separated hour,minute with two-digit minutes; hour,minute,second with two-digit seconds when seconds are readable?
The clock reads 9,53,48
